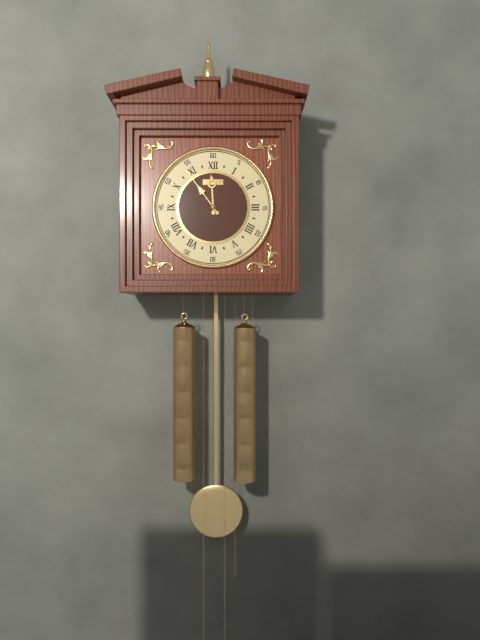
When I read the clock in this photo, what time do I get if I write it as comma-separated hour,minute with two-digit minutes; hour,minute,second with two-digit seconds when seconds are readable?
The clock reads 11,54
